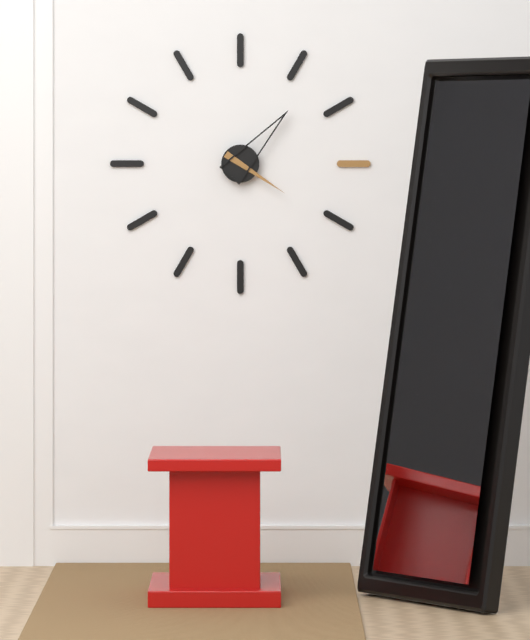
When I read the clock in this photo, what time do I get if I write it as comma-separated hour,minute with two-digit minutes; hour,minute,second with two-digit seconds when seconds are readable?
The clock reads 4,07
